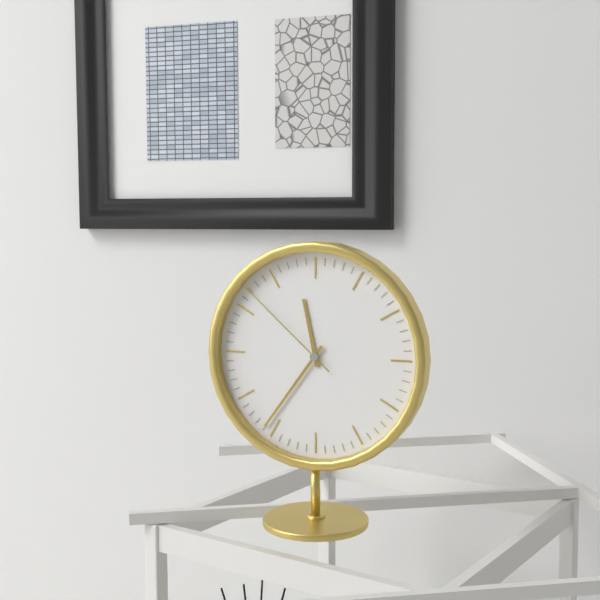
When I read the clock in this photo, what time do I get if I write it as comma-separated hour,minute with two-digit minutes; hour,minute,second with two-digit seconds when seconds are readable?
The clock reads 11,36,52
